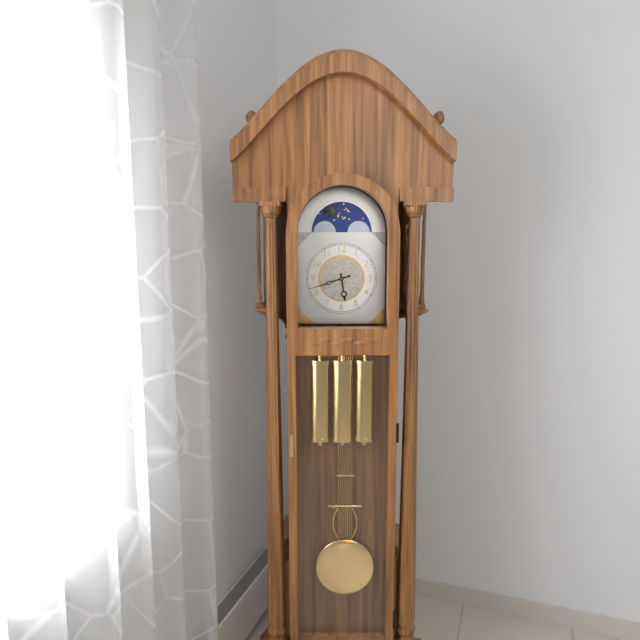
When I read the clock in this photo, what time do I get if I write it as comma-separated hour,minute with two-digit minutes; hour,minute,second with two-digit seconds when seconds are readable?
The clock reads 5,42
